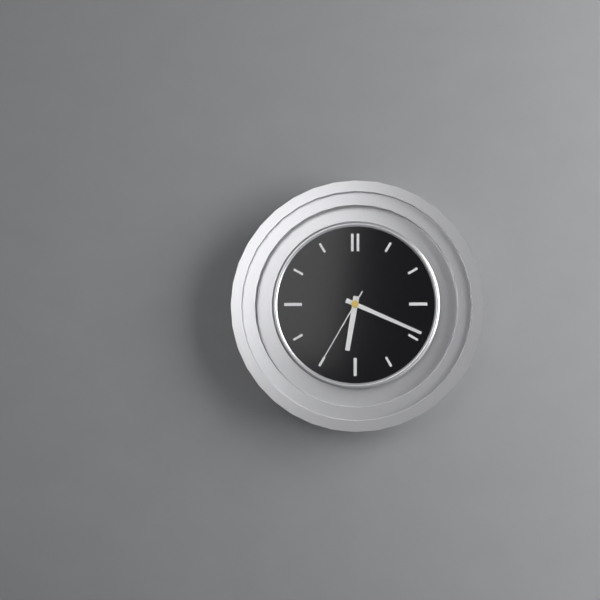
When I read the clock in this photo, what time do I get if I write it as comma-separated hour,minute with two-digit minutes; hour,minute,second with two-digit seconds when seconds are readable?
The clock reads 6,19,35
